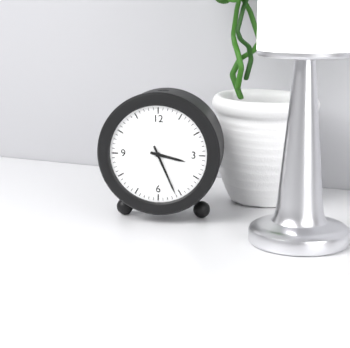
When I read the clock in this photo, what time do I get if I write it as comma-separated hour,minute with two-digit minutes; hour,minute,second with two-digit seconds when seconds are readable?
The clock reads 3,26
